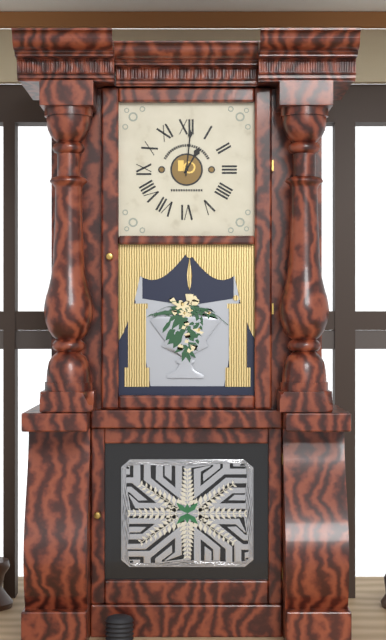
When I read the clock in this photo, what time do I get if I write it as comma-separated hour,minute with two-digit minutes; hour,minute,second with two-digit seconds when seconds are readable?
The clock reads 1,01
